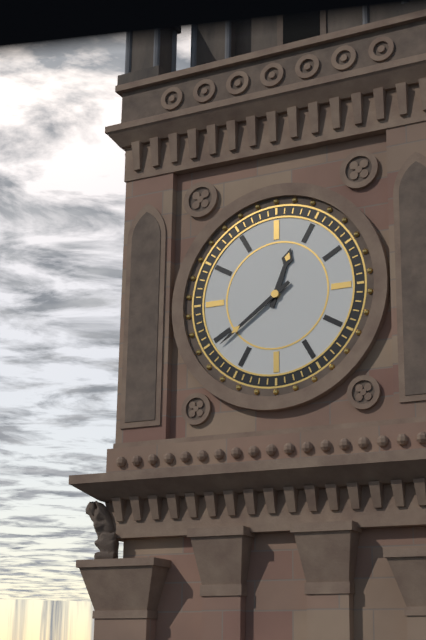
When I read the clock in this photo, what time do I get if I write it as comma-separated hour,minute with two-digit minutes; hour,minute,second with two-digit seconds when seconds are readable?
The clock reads 12,39
